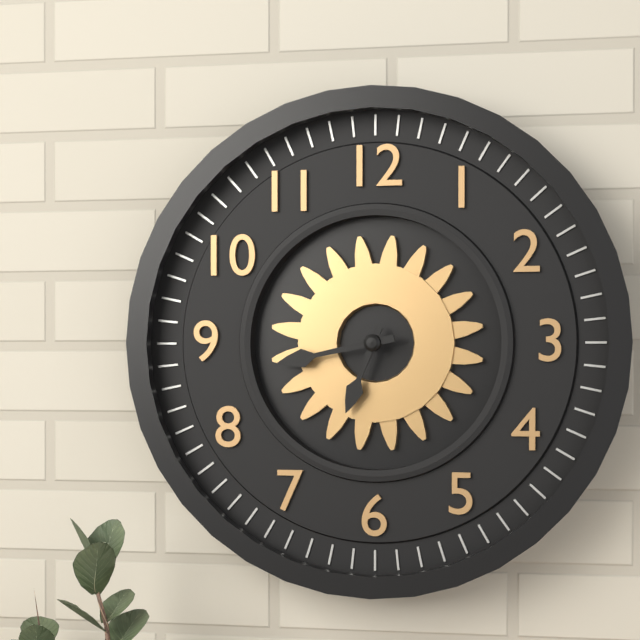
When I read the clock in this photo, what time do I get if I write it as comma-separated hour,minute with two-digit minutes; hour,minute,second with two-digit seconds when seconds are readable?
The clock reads 6,43
